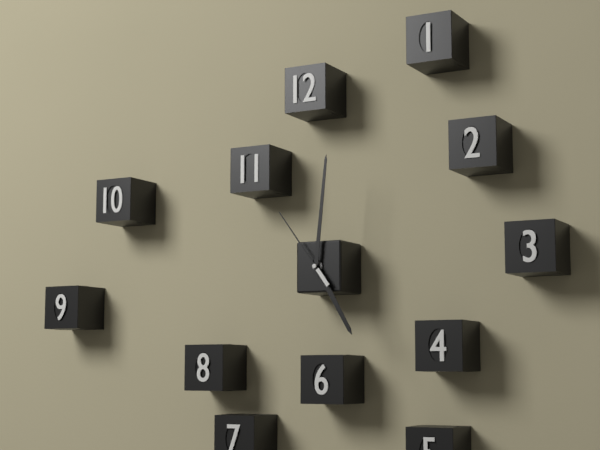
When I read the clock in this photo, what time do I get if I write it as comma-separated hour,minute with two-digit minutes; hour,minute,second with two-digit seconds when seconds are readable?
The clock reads 5,01,54
